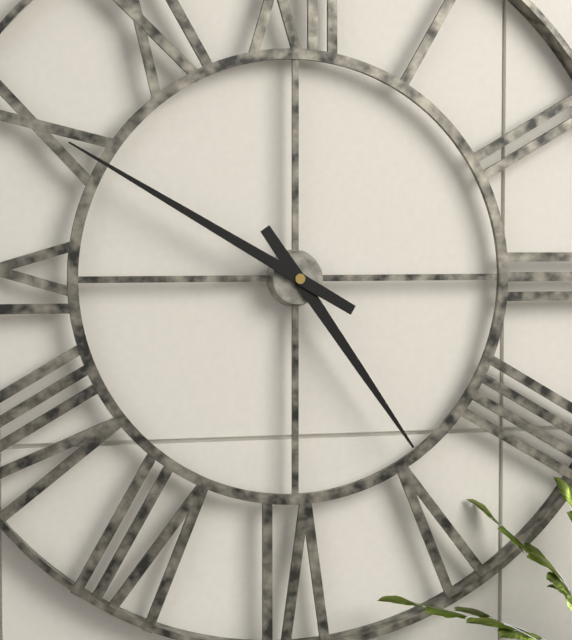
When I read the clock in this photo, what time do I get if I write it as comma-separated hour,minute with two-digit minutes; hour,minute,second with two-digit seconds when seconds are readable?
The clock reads 4,50
